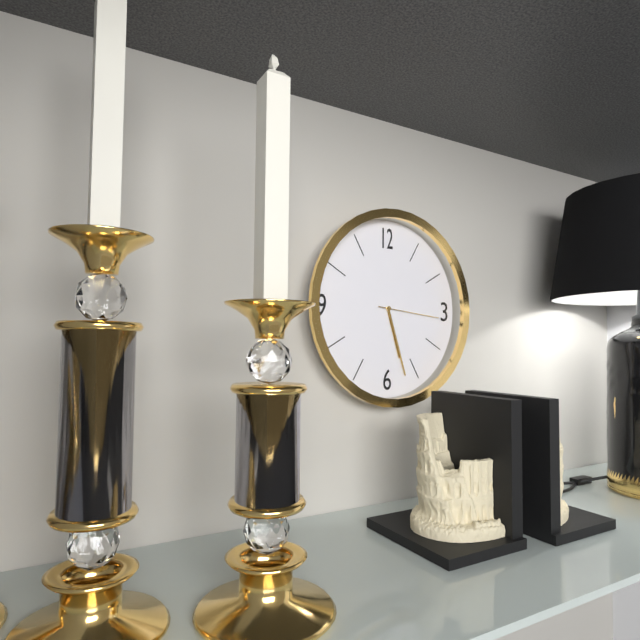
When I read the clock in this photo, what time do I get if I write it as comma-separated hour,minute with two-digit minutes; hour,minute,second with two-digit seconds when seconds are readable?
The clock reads 5,27,16
